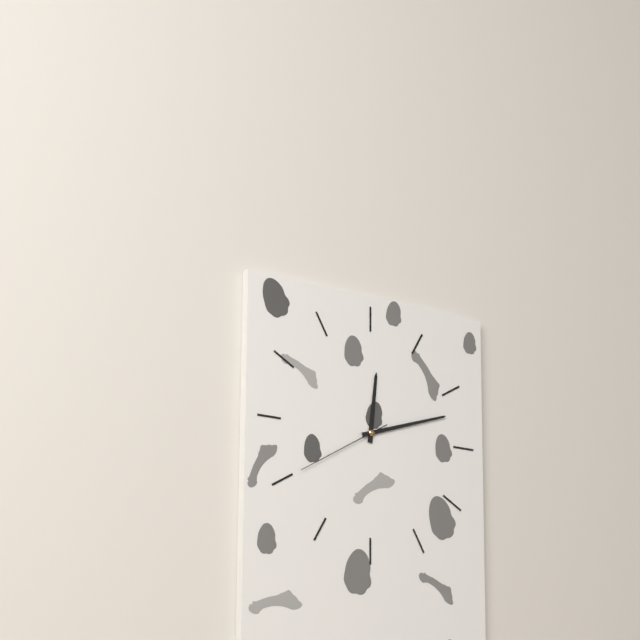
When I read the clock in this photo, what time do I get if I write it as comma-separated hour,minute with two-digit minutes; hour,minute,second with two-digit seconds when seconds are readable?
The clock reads 12,12,40
